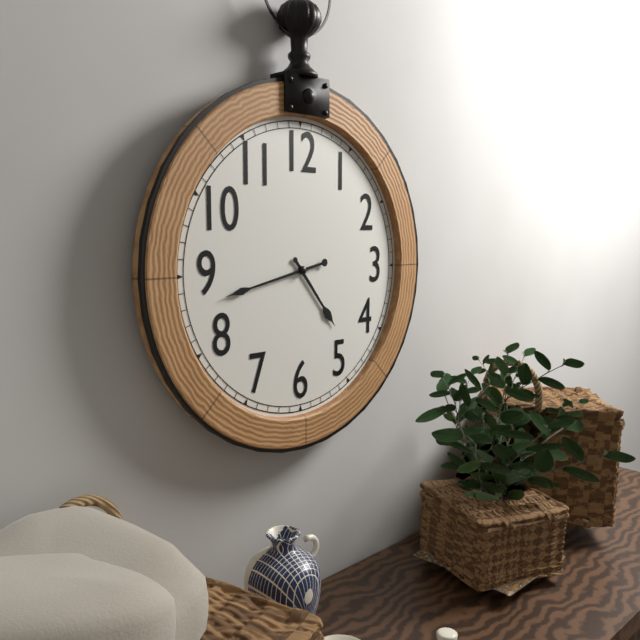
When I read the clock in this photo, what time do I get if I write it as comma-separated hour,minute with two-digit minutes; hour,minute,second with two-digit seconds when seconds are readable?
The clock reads 4,43
